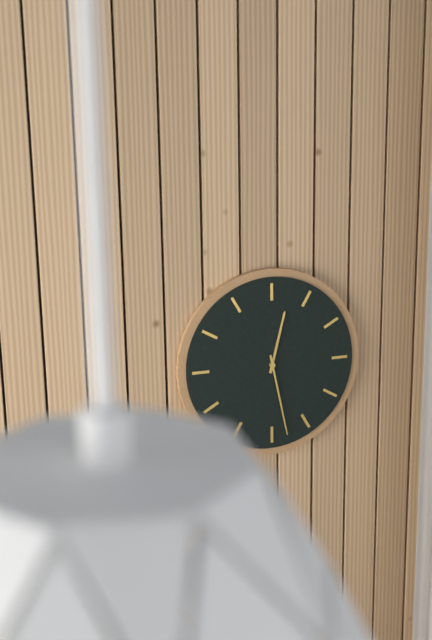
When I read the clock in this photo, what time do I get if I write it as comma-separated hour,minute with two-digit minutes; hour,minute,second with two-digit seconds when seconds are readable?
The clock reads 12,28
